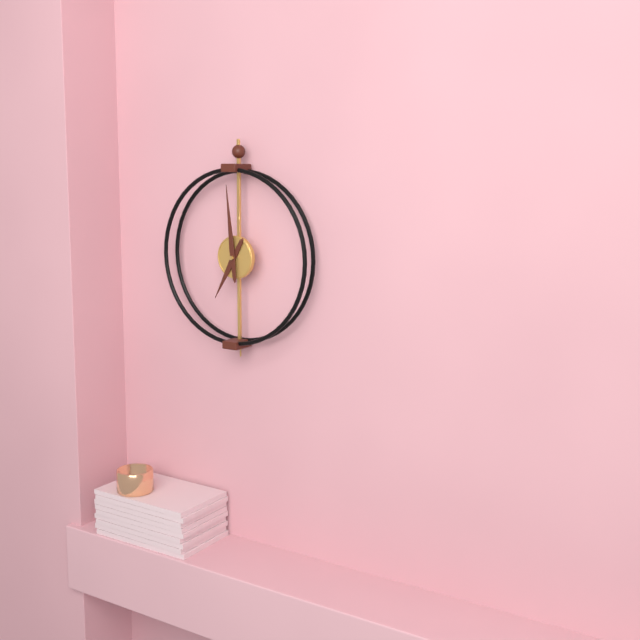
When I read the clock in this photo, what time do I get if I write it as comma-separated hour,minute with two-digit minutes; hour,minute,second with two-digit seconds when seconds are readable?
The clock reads 6,59
